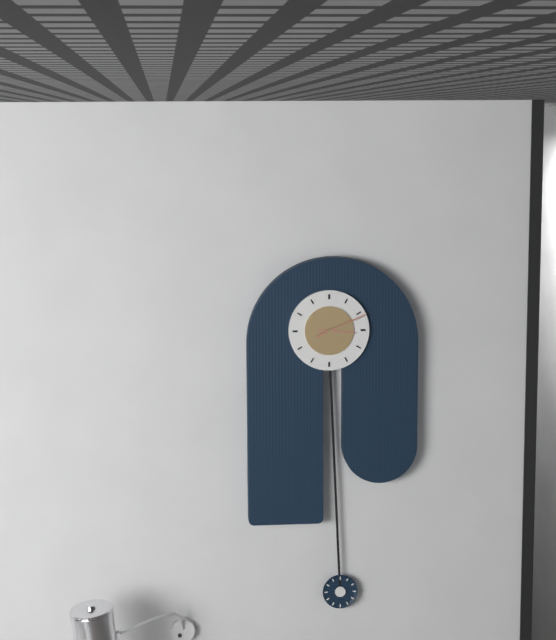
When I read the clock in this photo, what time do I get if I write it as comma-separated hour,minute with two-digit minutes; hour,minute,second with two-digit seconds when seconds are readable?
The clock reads 3,11
